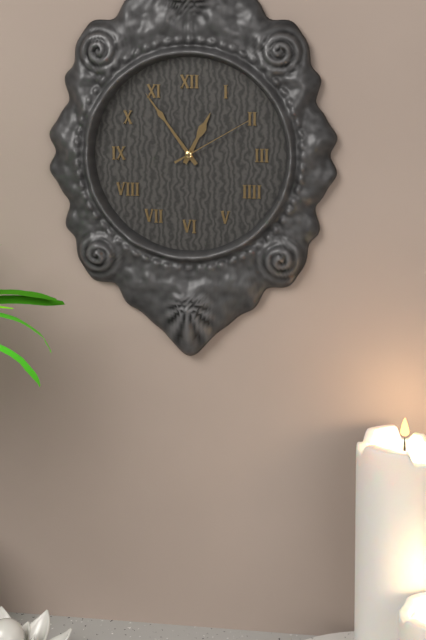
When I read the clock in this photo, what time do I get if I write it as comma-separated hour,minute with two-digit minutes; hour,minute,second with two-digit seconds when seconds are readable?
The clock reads 12,54,10
